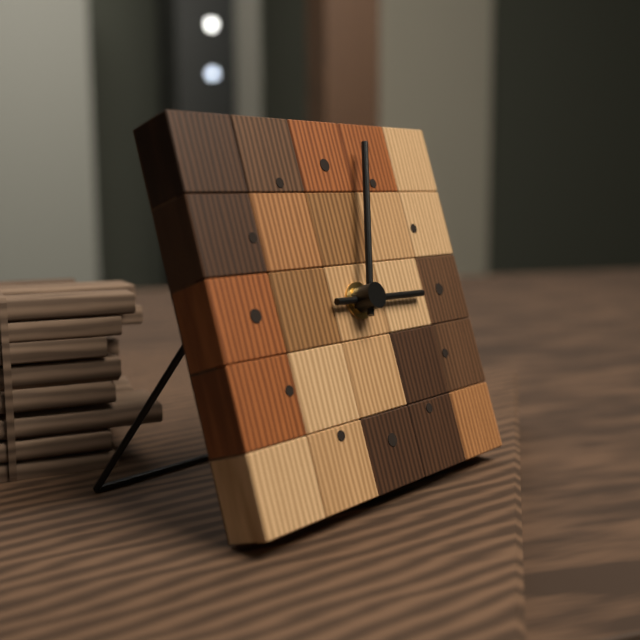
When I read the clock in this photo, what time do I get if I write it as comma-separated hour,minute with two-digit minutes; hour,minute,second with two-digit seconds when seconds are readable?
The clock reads 3,03
